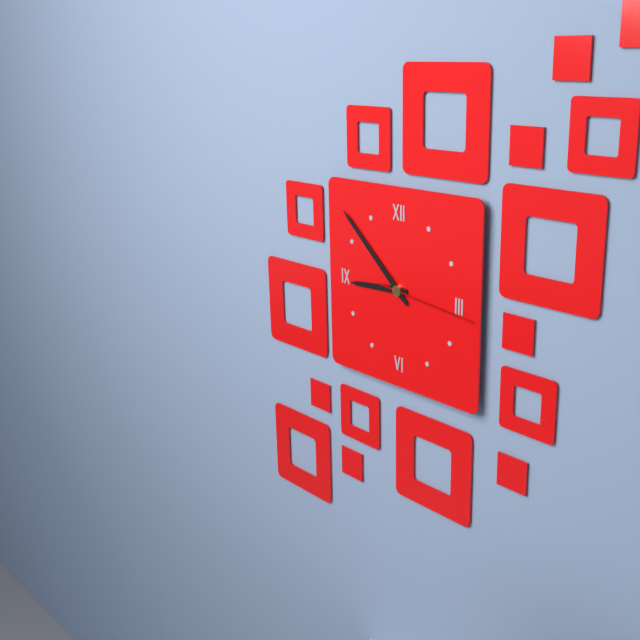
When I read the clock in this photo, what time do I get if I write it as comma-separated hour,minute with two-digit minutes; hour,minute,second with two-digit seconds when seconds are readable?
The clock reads 8,52,16
